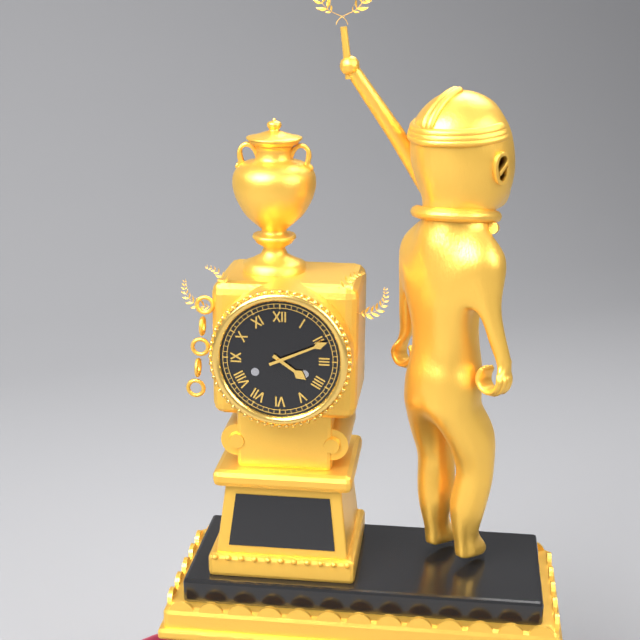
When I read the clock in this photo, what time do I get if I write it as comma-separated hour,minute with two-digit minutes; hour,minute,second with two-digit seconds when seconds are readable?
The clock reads 4,11
